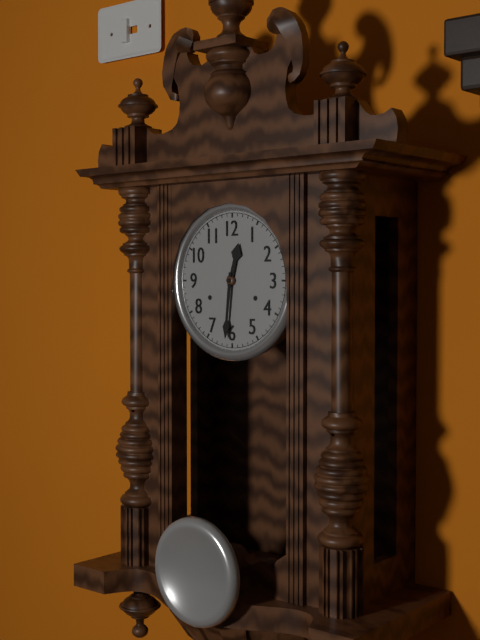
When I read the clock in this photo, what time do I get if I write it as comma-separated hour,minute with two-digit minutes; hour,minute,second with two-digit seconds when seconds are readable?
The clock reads 12,31
